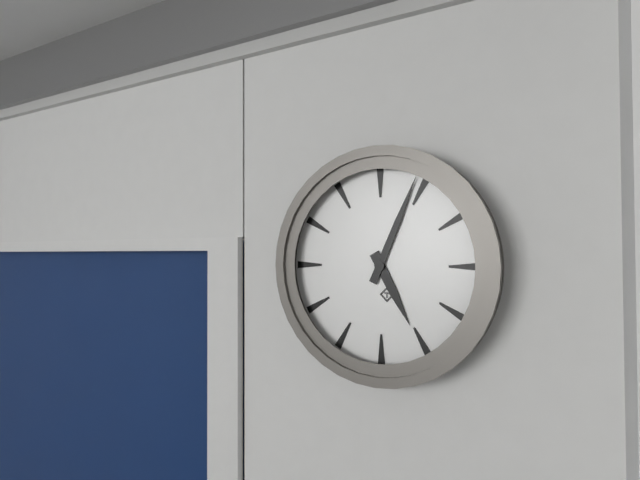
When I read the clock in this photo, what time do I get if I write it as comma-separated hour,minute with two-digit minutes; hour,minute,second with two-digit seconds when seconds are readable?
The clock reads 5,04
